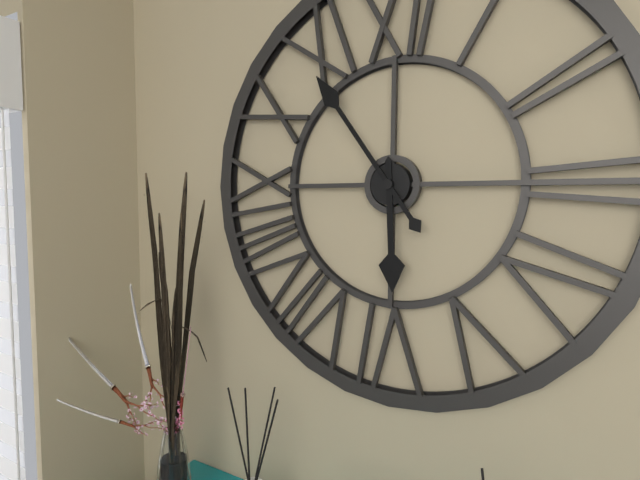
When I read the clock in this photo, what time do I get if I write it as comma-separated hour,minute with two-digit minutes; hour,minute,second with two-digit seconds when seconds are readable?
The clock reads 5,54
